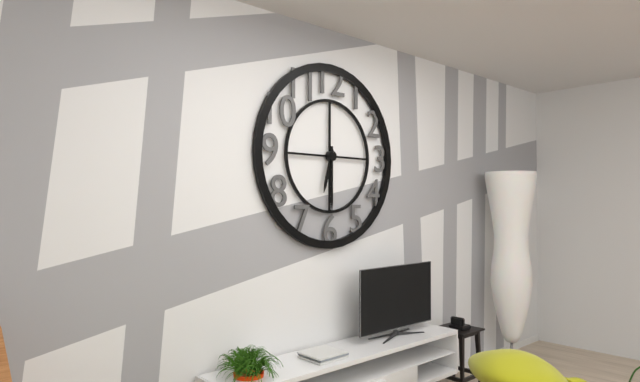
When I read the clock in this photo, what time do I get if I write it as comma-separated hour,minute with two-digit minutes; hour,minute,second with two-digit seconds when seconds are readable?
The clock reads 6,30
